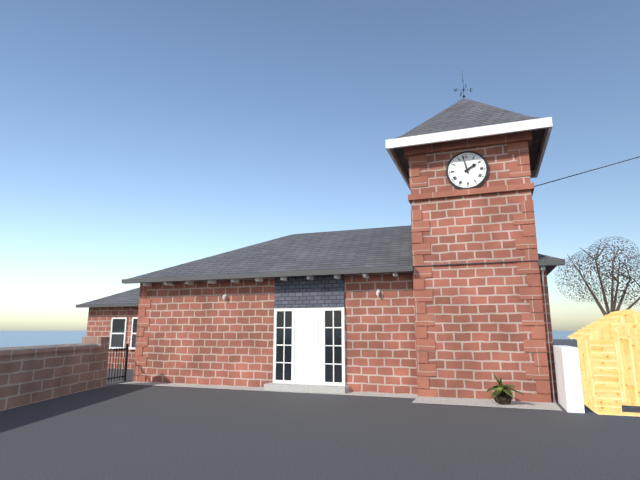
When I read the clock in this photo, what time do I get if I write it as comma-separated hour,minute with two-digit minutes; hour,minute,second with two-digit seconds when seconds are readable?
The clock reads 1,58
